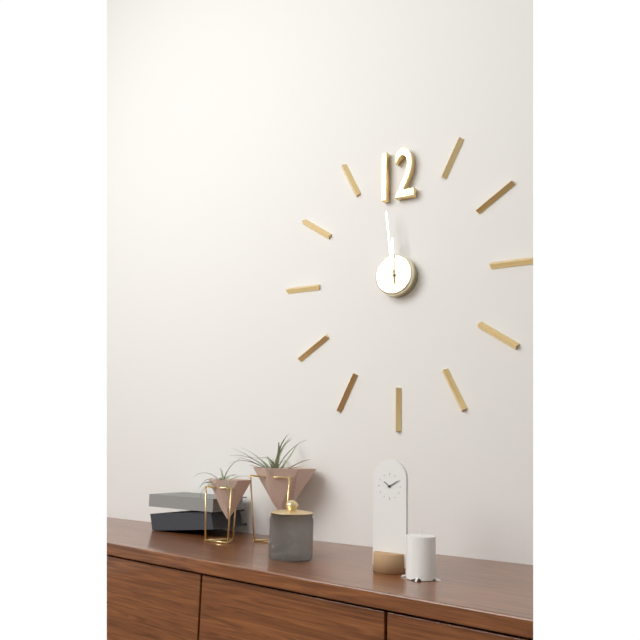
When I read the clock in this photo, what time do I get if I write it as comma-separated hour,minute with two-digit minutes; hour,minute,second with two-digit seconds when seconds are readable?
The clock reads 11,59
